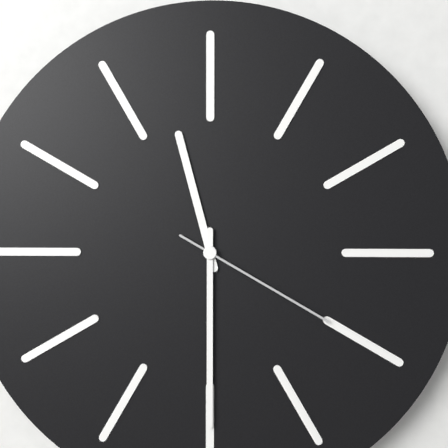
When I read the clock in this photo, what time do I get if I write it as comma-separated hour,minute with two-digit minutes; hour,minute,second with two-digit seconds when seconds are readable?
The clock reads 11,30,20
